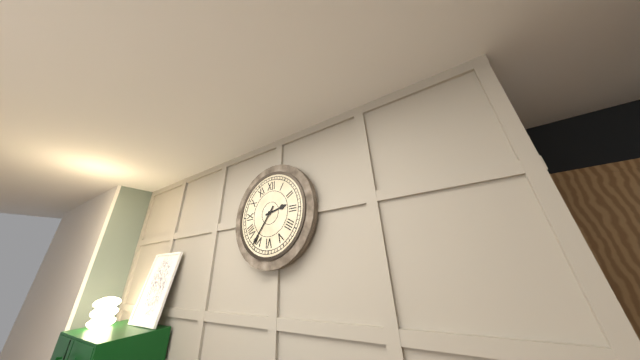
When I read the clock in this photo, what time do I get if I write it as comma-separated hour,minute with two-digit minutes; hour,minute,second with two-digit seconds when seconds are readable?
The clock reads 2,36
